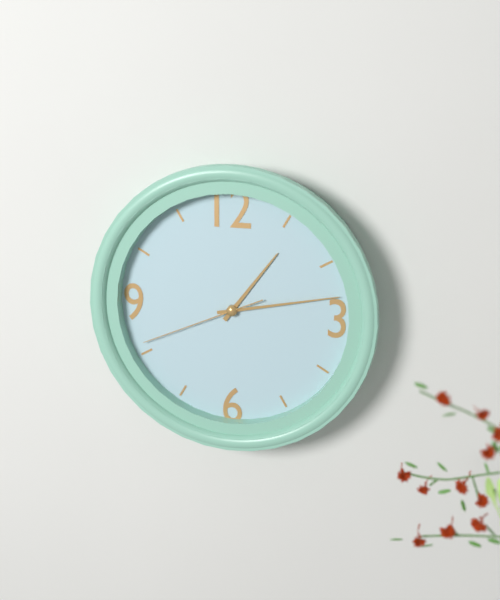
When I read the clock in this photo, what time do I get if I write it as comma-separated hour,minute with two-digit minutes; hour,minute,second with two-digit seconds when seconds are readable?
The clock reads 1,13,41
